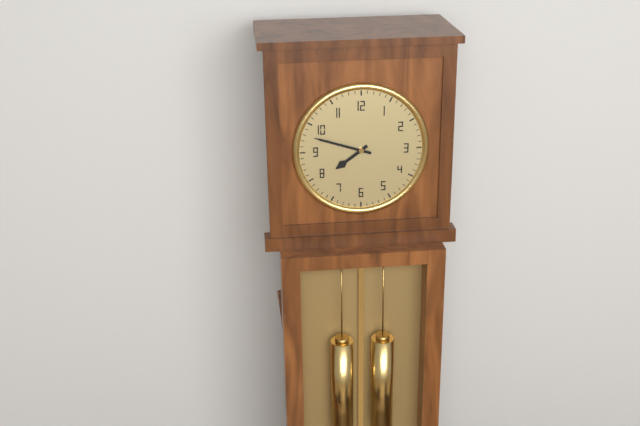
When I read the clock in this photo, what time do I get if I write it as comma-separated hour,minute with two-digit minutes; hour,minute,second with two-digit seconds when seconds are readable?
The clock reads 7,48
